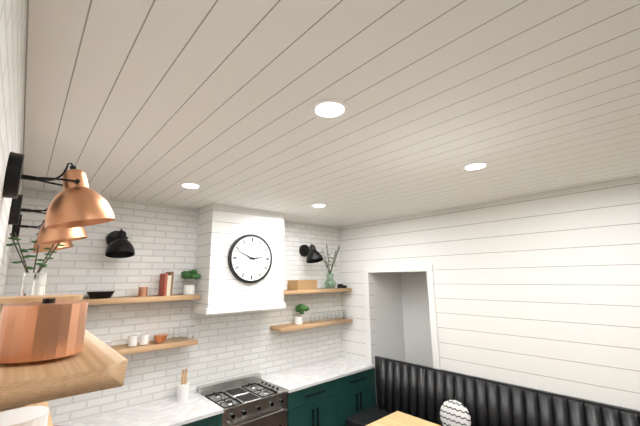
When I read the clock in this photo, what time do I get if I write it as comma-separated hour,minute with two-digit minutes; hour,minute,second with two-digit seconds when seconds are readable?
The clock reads 2,49
